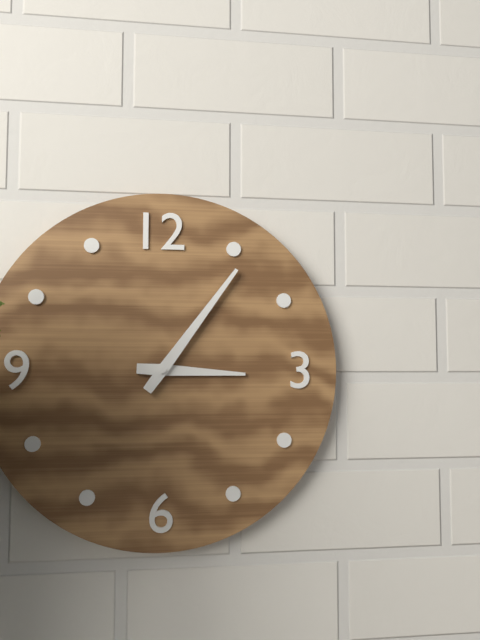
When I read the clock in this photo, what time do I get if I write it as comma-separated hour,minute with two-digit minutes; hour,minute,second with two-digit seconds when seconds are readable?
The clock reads 3,06
